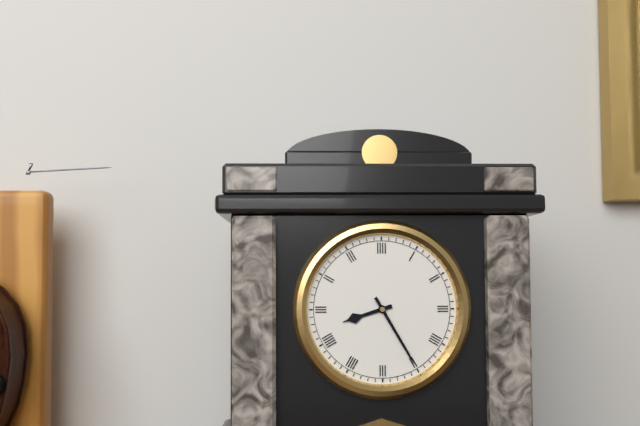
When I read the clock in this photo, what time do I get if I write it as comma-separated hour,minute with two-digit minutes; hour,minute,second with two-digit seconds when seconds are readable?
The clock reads 8,25
